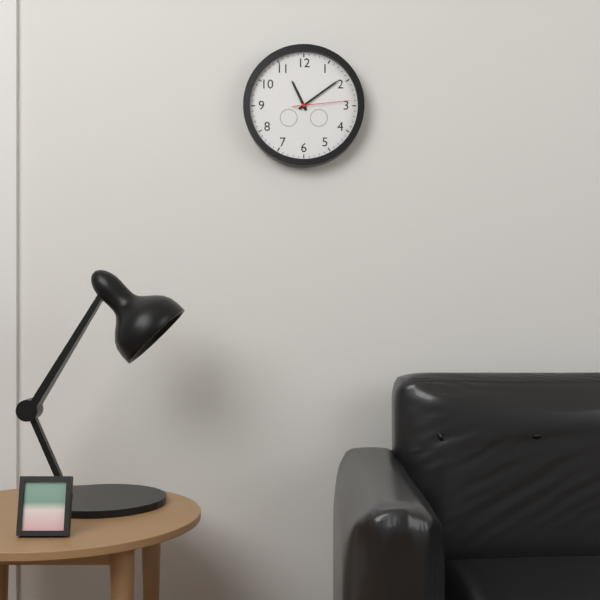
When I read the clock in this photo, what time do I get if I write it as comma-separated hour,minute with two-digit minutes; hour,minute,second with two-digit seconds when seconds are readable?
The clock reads 11,09,14
